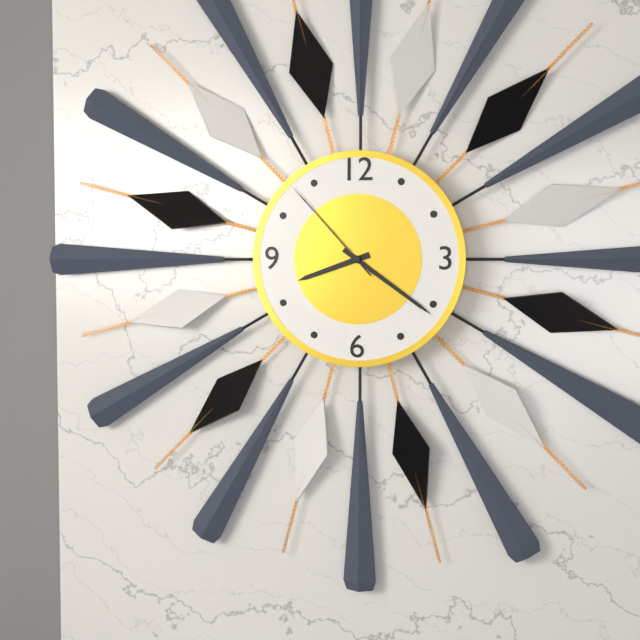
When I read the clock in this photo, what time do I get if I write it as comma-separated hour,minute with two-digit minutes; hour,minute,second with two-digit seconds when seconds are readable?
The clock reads 8,21,53
